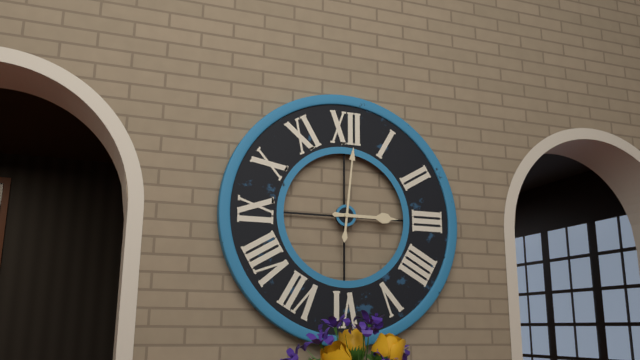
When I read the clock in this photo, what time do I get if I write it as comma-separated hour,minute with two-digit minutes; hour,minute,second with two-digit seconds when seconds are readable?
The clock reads 3,01
